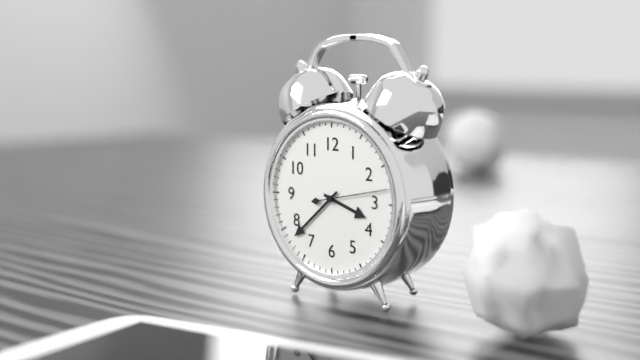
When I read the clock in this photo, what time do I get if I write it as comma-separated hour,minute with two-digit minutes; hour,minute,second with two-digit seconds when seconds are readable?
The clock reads 3,38,13
